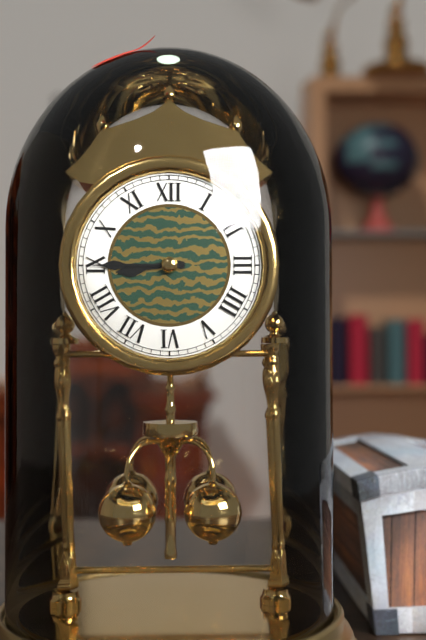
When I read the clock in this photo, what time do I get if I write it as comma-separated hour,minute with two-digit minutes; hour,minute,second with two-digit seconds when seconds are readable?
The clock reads 8,45
